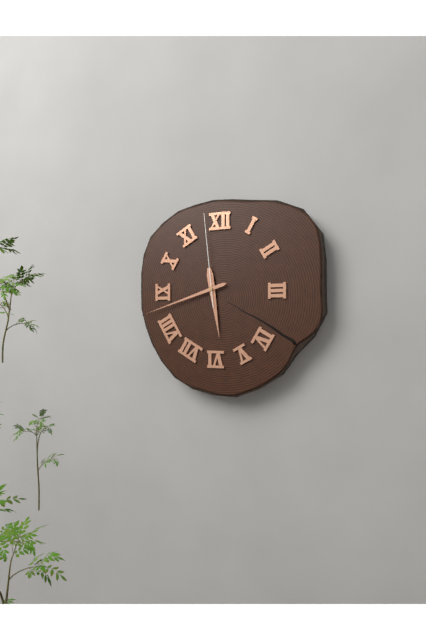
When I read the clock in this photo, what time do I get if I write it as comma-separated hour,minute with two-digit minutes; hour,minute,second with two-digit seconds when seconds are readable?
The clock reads 5,42,59
